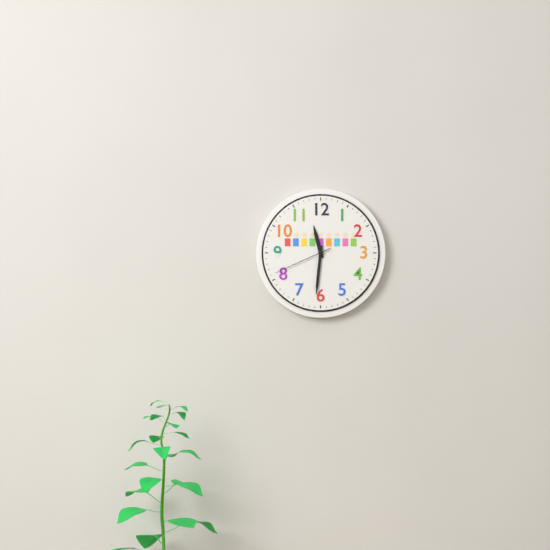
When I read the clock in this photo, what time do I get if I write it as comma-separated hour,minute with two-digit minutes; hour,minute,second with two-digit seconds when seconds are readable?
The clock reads 11,31,41
